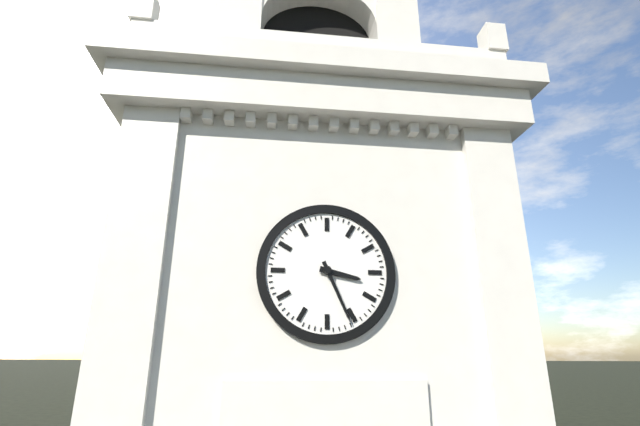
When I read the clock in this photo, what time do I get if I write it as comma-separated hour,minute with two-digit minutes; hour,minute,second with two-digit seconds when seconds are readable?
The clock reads 3,26
